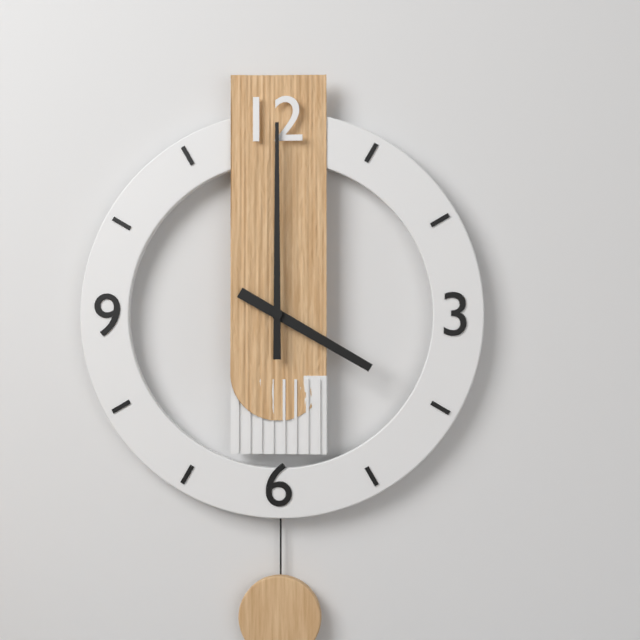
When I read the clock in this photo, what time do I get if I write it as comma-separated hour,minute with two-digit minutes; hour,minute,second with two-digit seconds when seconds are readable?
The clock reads 4,00
